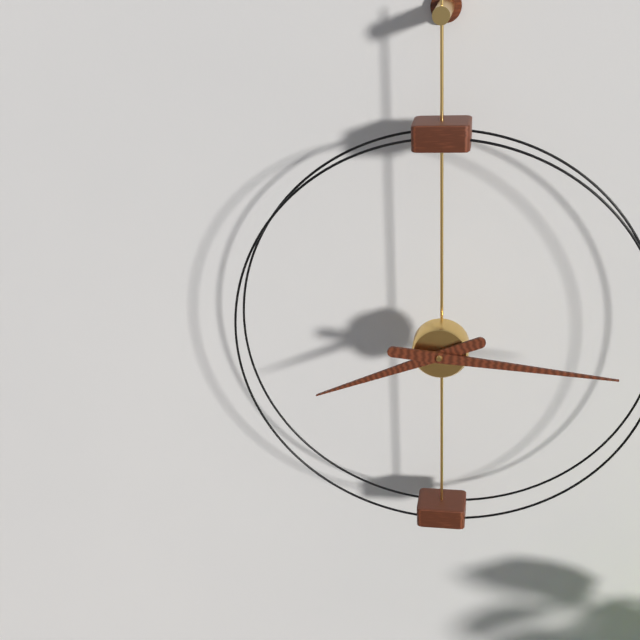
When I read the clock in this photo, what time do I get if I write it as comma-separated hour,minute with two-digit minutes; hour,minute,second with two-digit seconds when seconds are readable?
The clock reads 8,16
